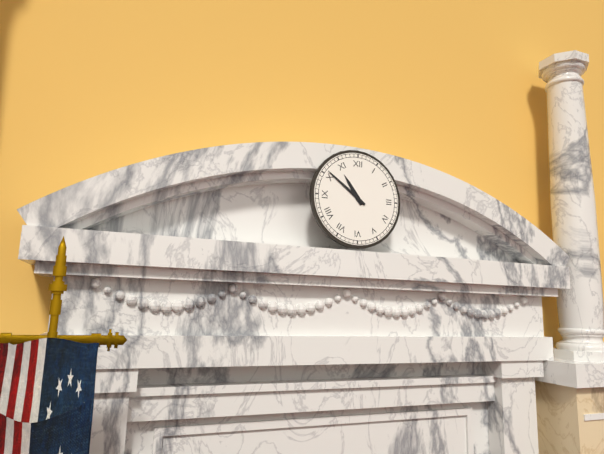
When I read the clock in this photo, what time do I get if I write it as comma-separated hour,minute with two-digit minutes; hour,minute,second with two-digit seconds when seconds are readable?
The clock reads 10,51
